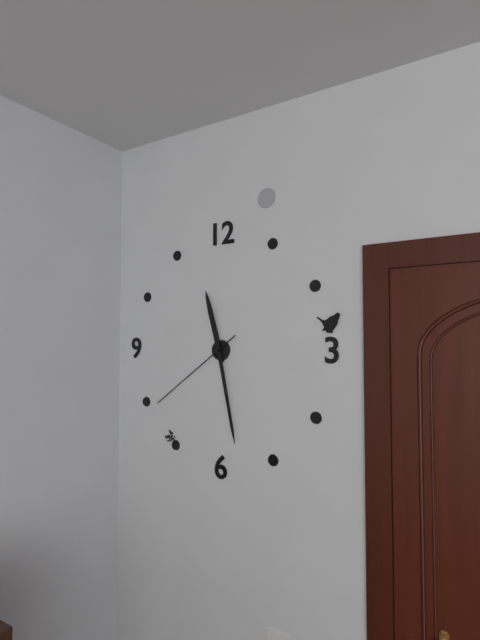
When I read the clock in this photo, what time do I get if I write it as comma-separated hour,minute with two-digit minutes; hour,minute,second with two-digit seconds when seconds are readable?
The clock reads 11,28,39
